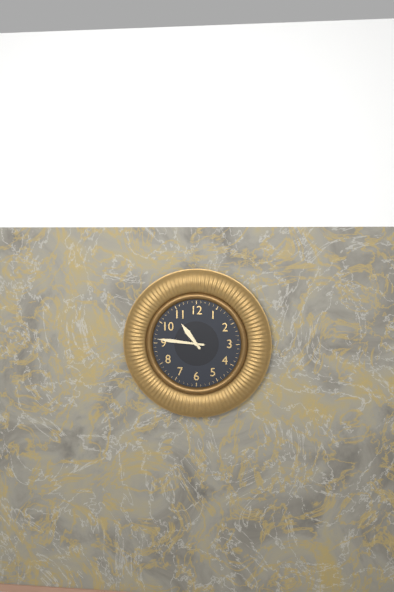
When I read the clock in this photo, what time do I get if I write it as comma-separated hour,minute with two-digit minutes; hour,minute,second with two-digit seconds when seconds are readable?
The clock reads 10,46
